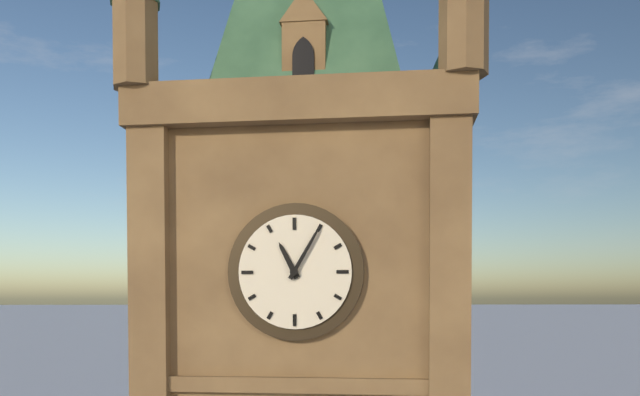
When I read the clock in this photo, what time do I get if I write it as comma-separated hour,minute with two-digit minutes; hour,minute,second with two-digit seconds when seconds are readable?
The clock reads 11,05
